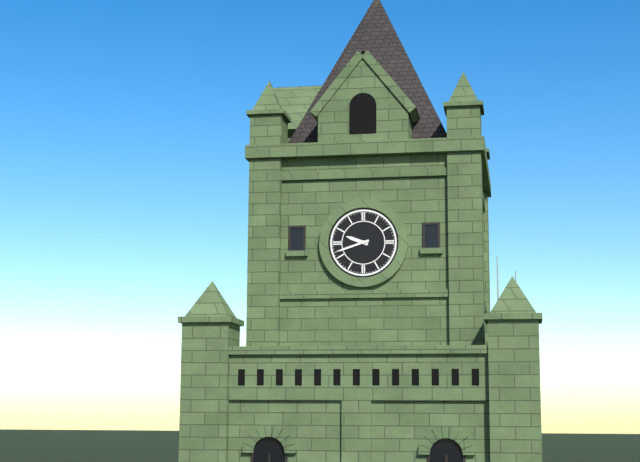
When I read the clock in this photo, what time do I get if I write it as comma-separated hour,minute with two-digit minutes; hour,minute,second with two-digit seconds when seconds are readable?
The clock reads 9,42
